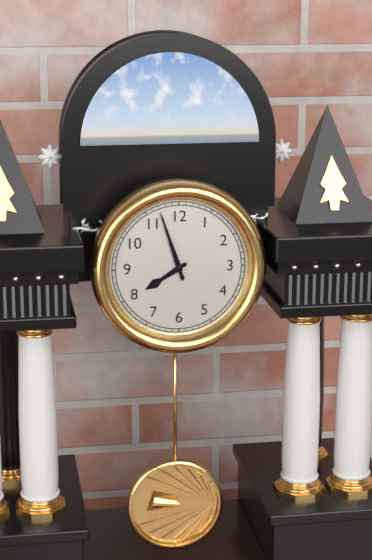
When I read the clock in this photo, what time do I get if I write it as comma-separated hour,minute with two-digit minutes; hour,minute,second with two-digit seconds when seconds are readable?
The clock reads 7,57
